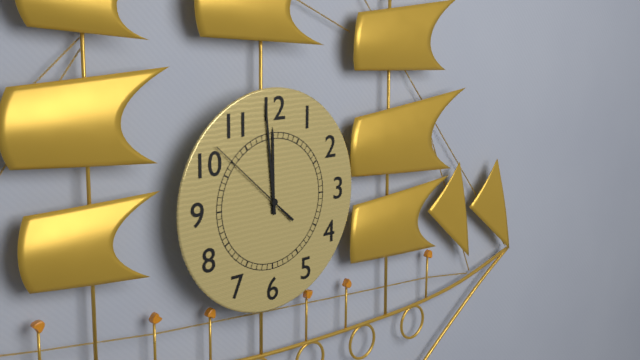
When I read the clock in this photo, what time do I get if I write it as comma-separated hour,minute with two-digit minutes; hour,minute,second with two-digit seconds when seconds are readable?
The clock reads 11,59,52
